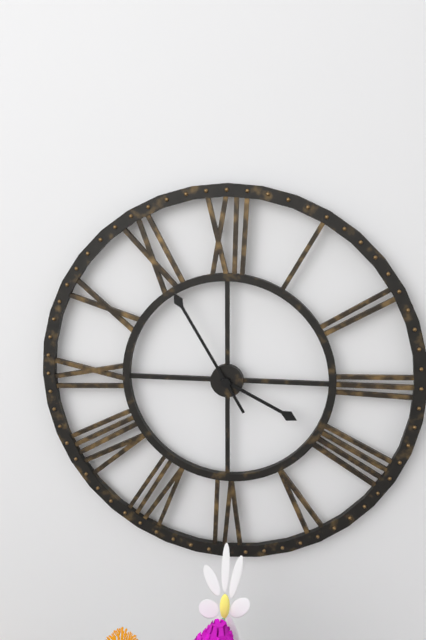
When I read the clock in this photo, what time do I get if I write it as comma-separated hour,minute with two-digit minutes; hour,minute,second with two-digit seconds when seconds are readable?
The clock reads 3,55
